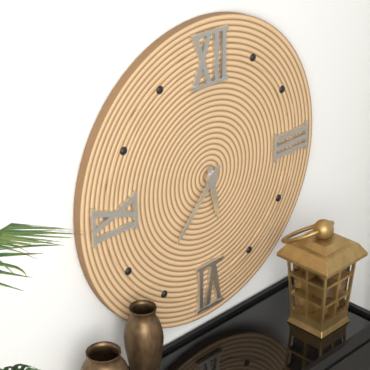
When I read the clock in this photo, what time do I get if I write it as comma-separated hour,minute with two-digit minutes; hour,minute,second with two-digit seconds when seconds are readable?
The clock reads 5,37
